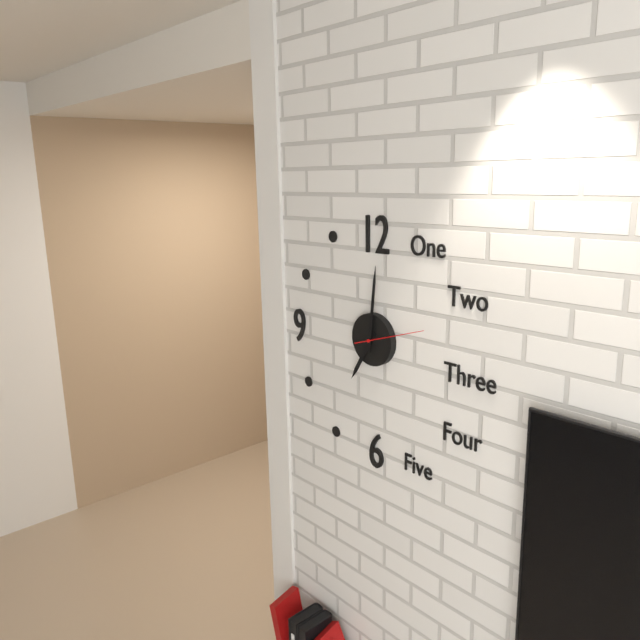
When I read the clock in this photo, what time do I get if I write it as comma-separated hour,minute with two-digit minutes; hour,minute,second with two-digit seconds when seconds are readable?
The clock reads 7,01,12
